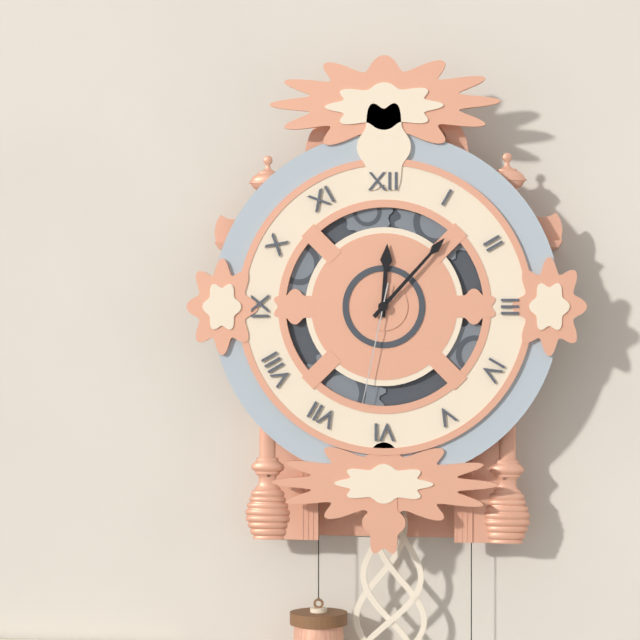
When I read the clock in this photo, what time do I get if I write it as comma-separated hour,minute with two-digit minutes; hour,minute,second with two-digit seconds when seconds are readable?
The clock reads 12,07,32
